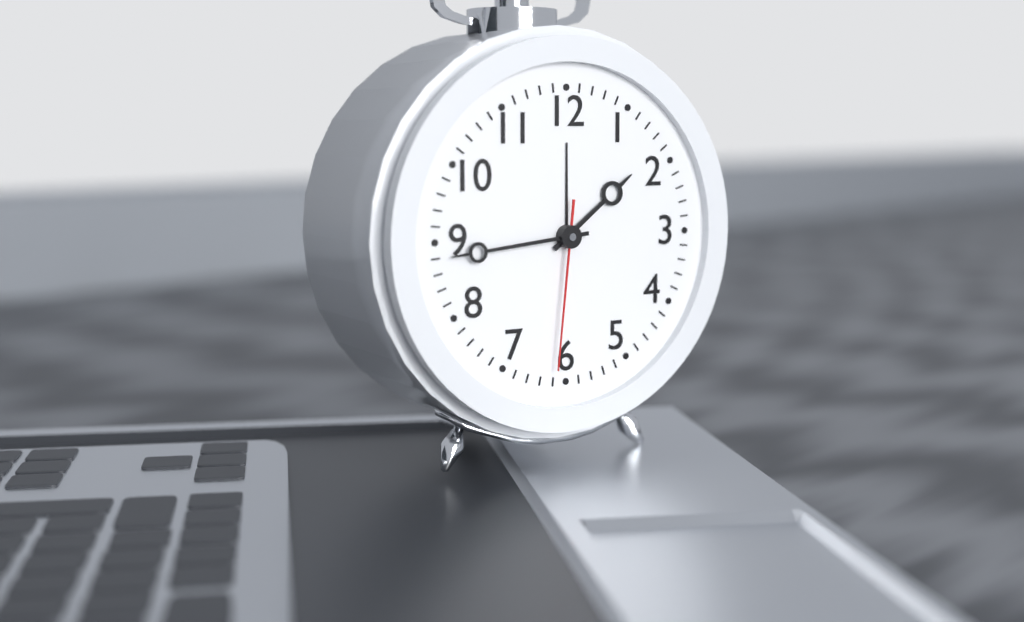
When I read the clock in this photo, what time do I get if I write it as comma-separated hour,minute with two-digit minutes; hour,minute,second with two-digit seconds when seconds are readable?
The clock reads 1,44,31
